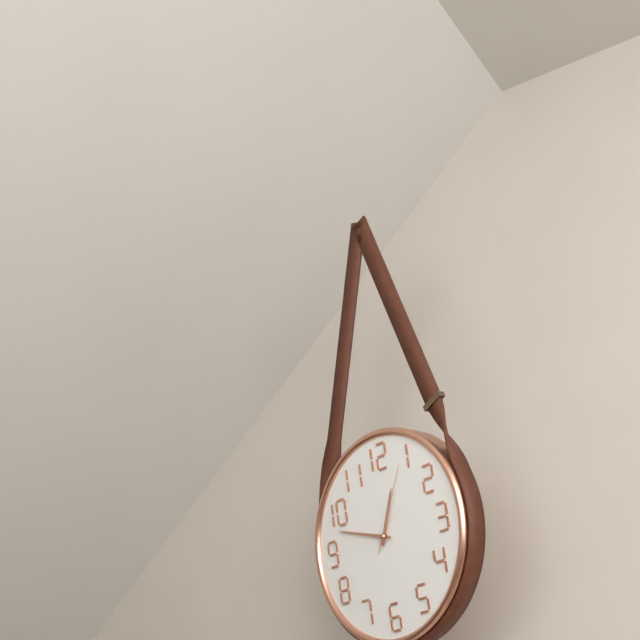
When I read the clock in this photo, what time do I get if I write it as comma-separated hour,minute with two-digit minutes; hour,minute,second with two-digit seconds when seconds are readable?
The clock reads 12,48,05
